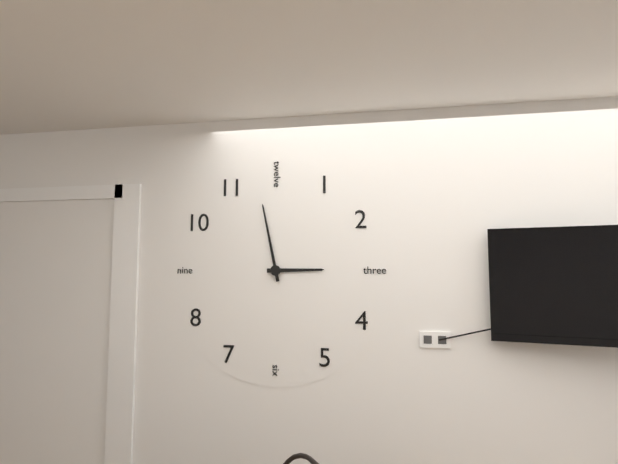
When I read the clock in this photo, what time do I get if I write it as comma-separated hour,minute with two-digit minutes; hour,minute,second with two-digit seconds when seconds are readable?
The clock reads 2,58
